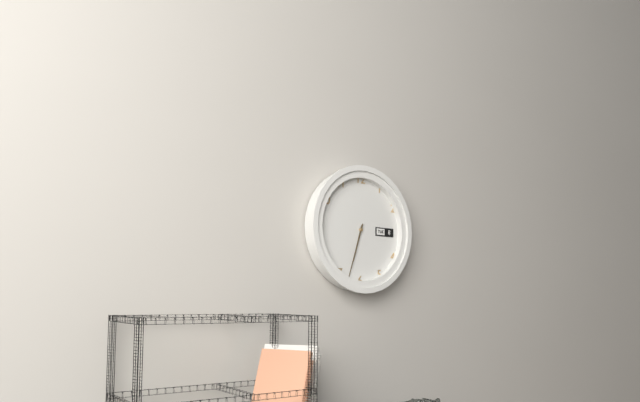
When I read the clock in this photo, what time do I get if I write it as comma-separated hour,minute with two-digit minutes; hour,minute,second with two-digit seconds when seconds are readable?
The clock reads 6,33
